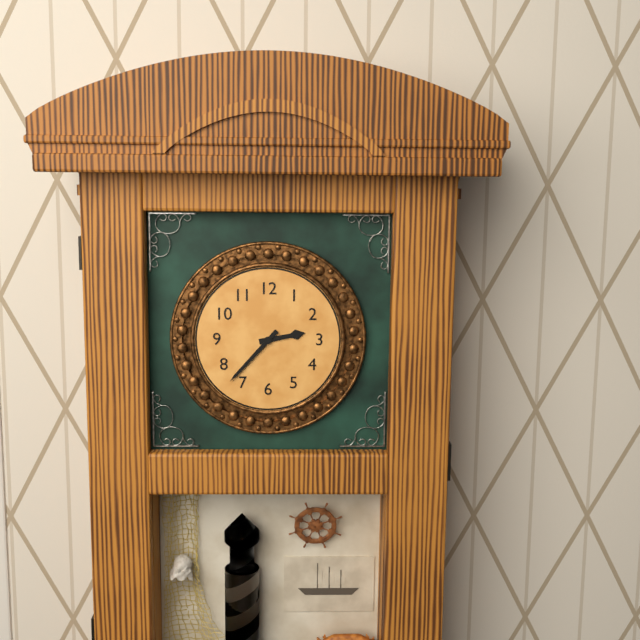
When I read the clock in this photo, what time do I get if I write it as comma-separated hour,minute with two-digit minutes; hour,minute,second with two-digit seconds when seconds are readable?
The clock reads 2,37
